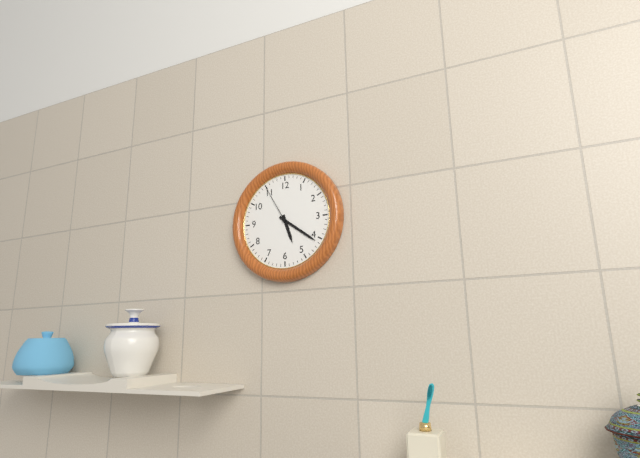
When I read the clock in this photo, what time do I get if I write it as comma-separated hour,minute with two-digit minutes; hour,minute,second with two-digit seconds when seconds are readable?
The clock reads 5,21
